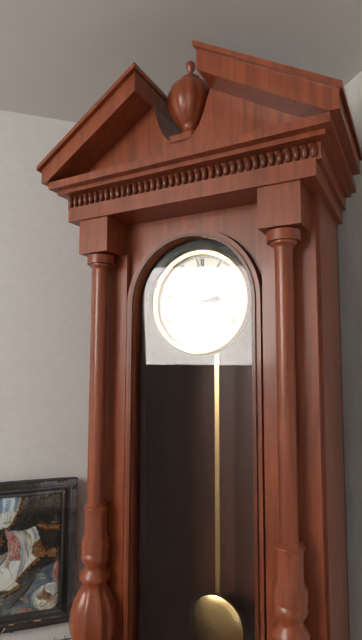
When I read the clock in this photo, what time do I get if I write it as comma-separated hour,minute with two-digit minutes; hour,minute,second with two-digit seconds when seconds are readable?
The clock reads 2,47
